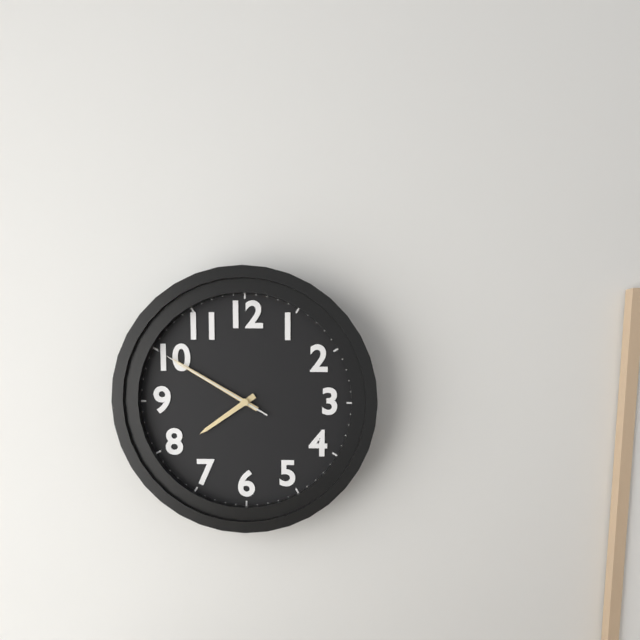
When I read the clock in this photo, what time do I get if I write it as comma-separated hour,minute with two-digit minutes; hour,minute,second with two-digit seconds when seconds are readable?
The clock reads 7,50,50
